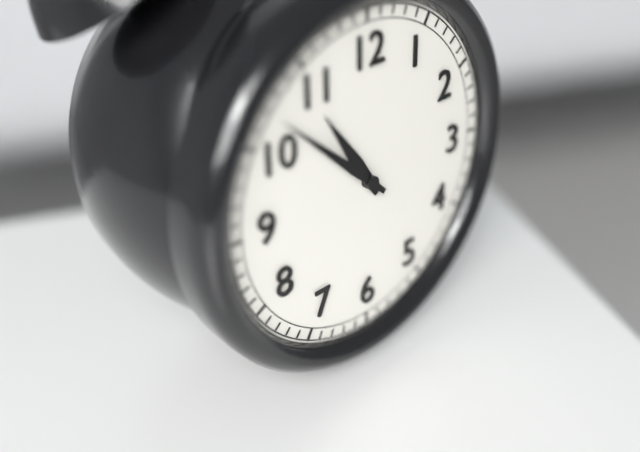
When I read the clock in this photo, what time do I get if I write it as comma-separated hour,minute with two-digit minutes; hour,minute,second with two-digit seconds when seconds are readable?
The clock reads 10,52
